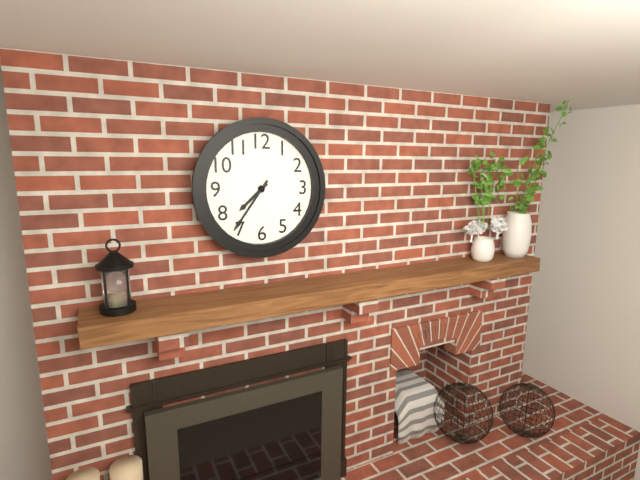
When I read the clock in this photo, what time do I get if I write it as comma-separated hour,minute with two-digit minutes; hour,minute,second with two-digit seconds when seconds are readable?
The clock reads 7,36
